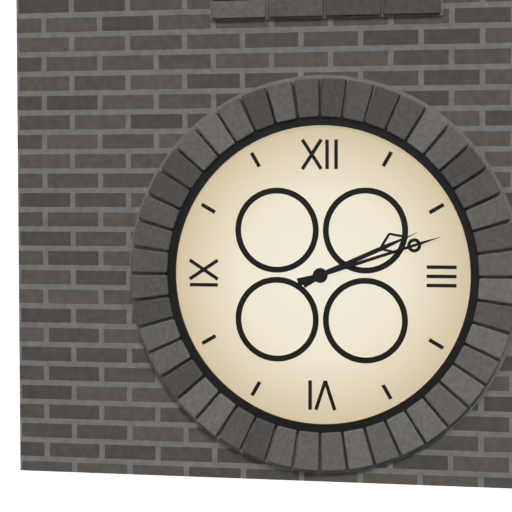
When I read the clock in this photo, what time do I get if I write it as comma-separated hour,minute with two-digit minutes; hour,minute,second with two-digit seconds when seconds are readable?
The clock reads 2,12
